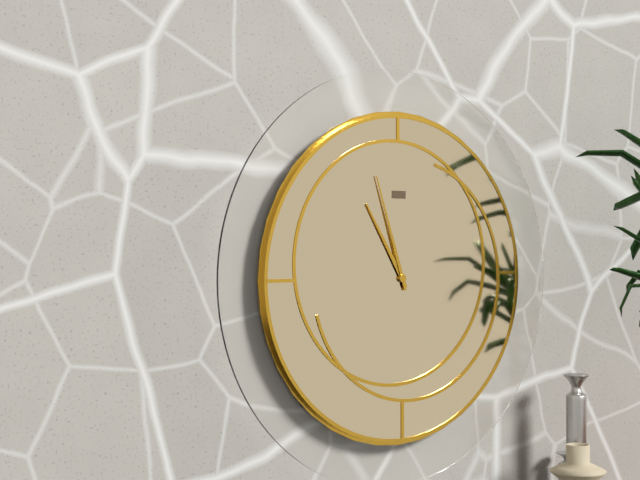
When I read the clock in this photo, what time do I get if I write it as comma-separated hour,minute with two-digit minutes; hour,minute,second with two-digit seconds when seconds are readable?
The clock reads 10,57
